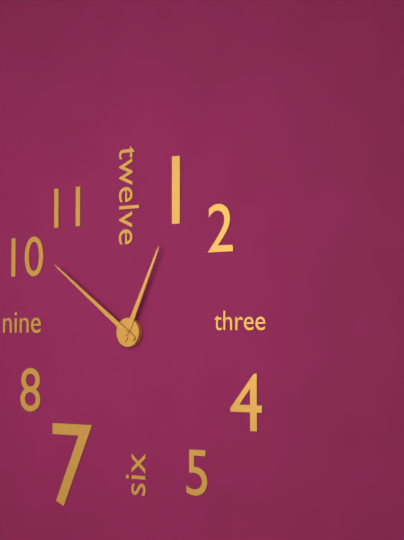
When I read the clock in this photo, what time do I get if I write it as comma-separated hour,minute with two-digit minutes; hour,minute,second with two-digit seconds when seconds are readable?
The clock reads 12,51
